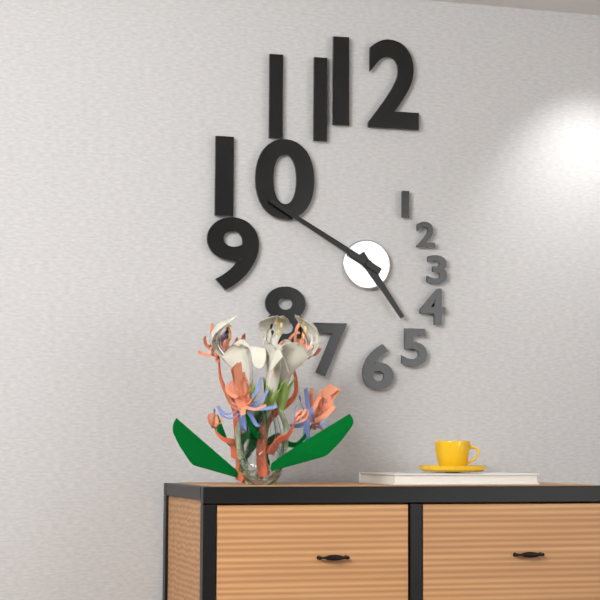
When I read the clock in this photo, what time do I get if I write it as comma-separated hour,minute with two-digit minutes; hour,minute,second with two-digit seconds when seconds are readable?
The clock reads 4,50
